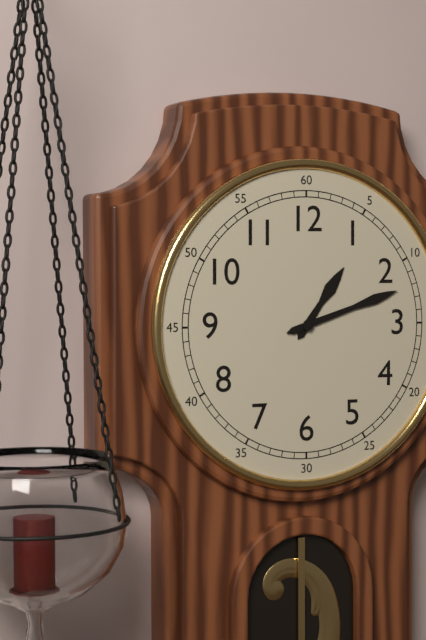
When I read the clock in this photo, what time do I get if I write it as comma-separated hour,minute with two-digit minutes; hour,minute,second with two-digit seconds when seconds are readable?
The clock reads 1,12
